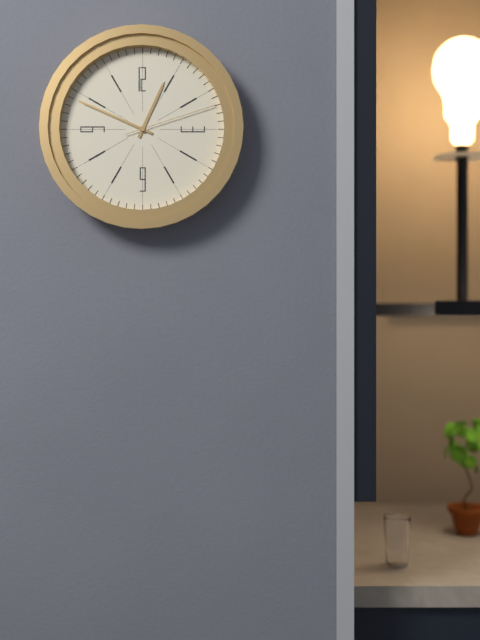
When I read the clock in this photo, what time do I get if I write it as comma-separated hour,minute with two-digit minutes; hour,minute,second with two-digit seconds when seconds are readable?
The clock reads 12,49,12
